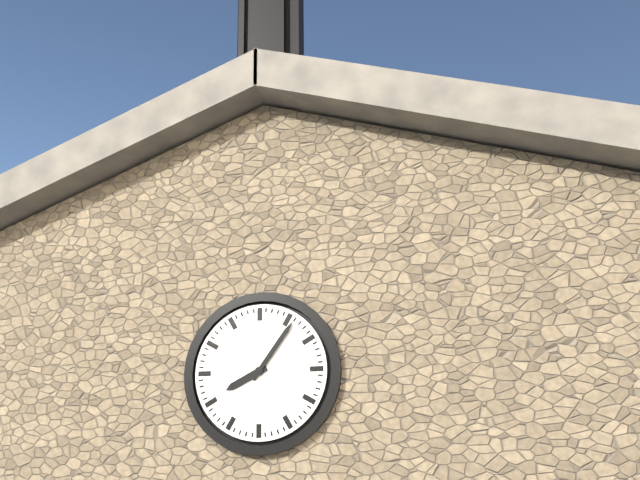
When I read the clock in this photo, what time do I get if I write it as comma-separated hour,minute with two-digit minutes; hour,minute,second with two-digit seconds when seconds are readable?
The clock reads 8,06
